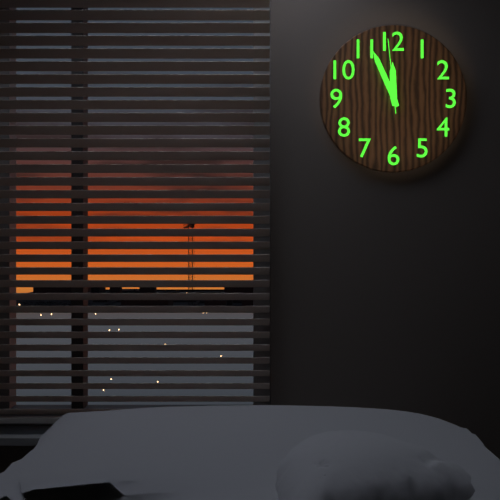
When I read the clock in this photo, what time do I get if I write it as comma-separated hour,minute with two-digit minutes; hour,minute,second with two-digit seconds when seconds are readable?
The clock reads 11,56,59
